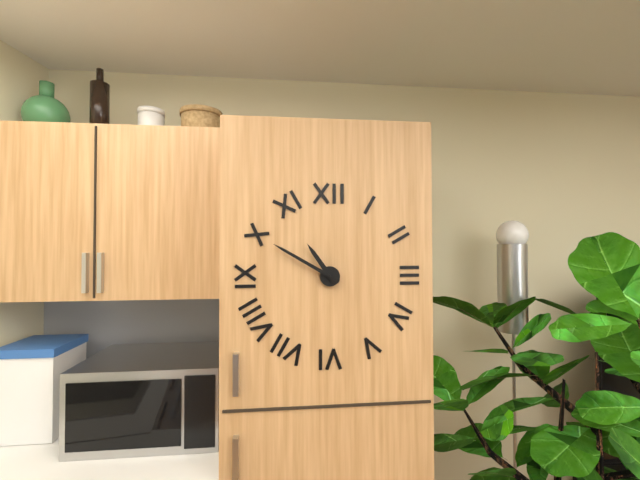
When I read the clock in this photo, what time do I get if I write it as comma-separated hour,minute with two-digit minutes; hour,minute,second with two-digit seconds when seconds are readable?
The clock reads 10,50
